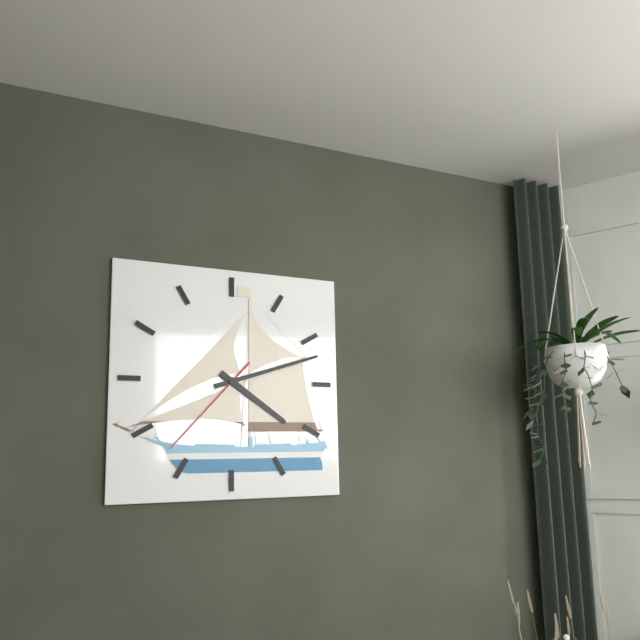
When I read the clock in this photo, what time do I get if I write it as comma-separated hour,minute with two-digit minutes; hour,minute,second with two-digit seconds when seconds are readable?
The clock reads 4,12,37
